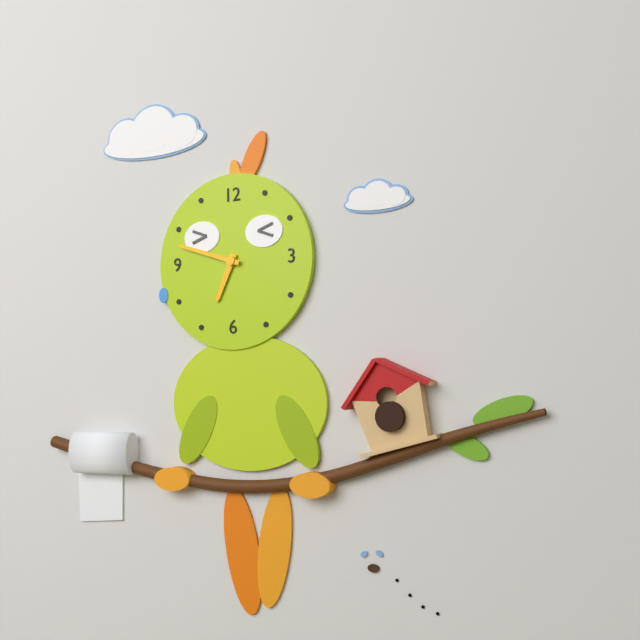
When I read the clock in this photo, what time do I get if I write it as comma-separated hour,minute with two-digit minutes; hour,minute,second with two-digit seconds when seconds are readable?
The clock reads 6,48
